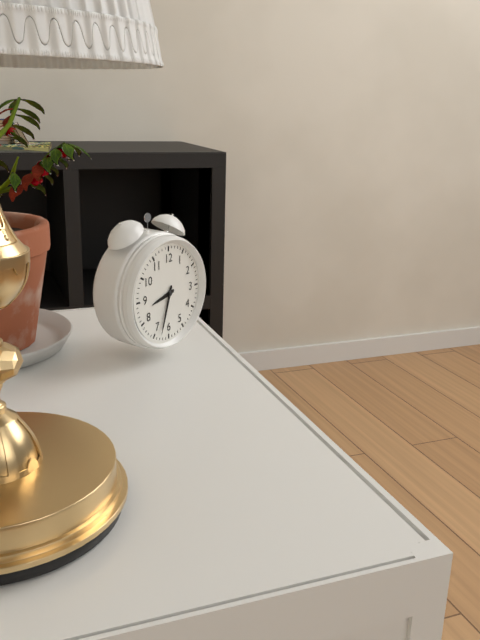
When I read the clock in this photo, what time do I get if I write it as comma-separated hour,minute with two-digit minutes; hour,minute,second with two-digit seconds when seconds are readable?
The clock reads 8,33
